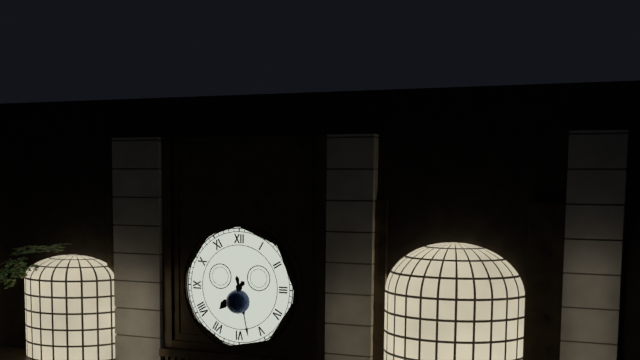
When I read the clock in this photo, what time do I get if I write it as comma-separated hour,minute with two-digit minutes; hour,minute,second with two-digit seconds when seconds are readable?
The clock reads 7,28
